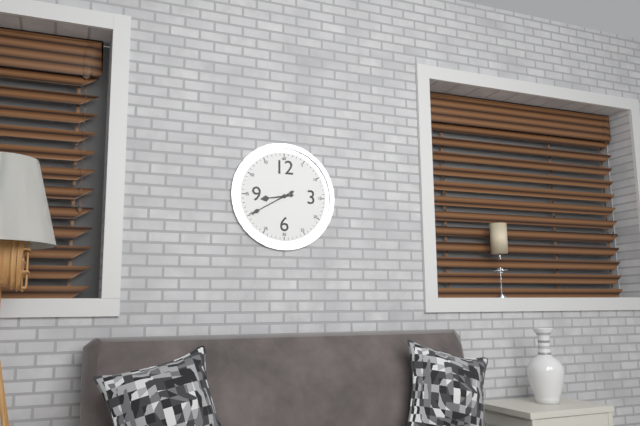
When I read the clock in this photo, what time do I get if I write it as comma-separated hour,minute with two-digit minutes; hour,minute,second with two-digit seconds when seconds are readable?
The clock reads 8,40
